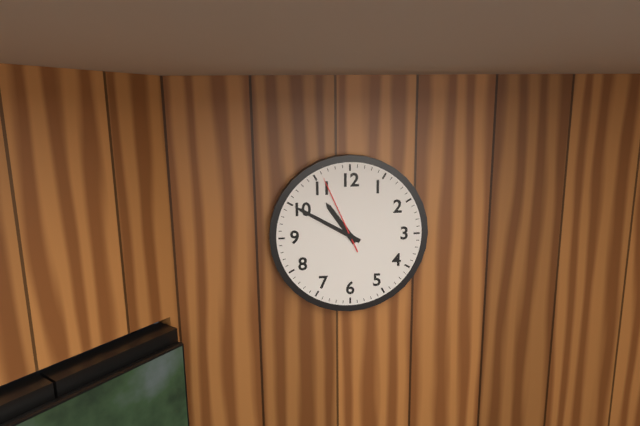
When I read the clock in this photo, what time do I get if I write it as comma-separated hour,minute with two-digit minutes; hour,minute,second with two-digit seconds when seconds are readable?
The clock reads 10,50,56
